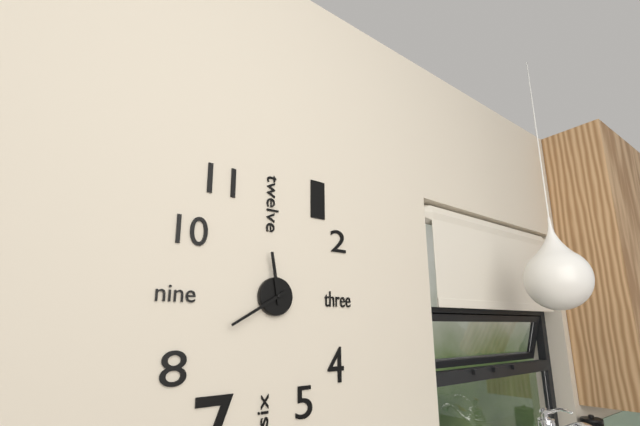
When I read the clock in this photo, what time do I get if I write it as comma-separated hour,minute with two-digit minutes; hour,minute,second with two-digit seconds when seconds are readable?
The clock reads 11,40
